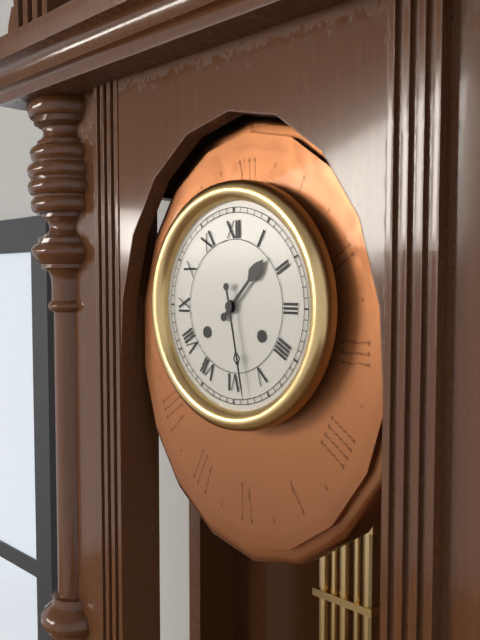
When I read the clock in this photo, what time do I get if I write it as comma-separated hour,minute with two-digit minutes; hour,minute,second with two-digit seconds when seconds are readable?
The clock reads 1,28
